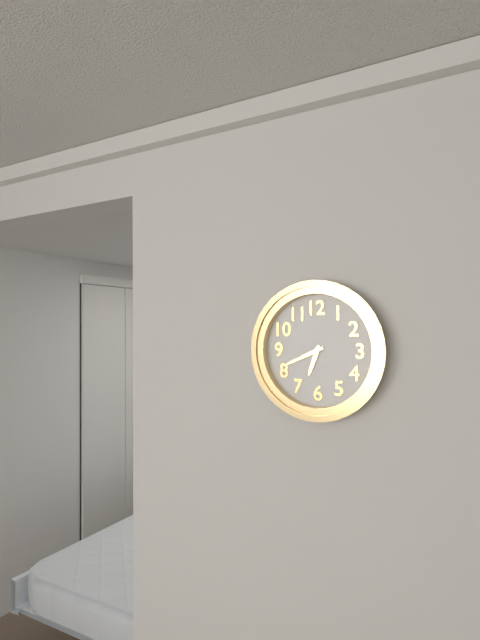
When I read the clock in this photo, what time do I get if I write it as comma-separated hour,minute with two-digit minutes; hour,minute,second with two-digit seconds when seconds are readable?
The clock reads 6,41
